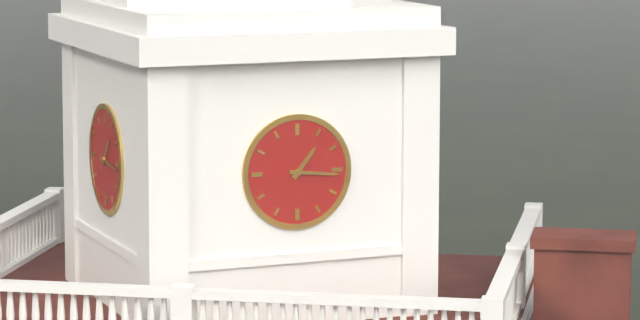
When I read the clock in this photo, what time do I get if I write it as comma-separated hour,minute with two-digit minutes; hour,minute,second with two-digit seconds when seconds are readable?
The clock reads 1,16
